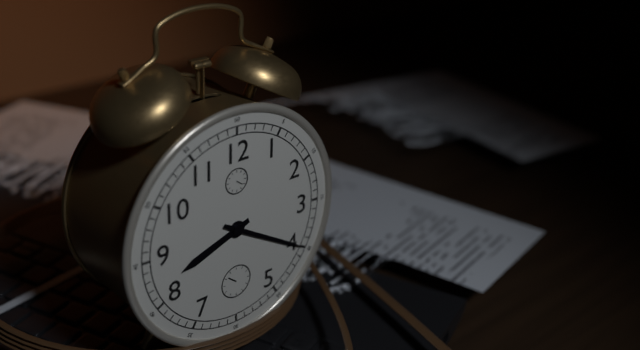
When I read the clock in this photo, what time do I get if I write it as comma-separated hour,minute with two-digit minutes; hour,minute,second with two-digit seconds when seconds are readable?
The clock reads 8,20
